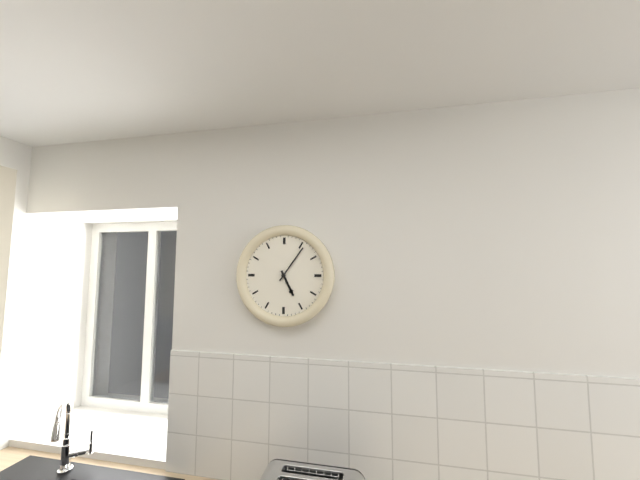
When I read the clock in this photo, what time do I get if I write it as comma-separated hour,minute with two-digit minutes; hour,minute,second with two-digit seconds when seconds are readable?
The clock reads 5,06
